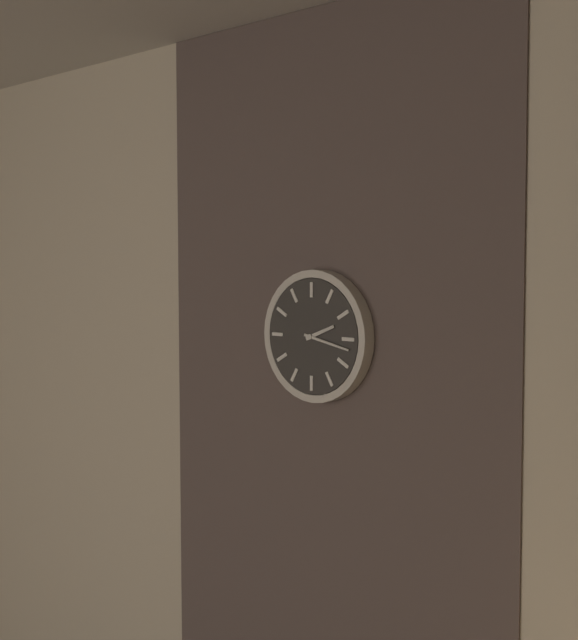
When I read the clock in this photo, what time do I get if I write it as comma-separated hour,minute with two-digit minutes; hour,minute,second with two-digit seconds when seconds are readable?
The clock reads 2,17
